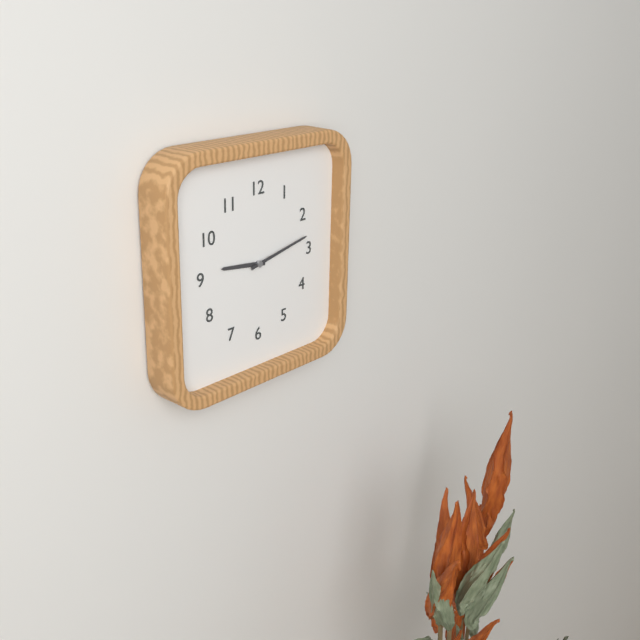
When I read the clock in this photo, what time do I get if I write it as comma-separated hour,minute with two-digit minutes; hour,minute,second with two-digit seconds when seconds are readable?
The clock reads 9,13
